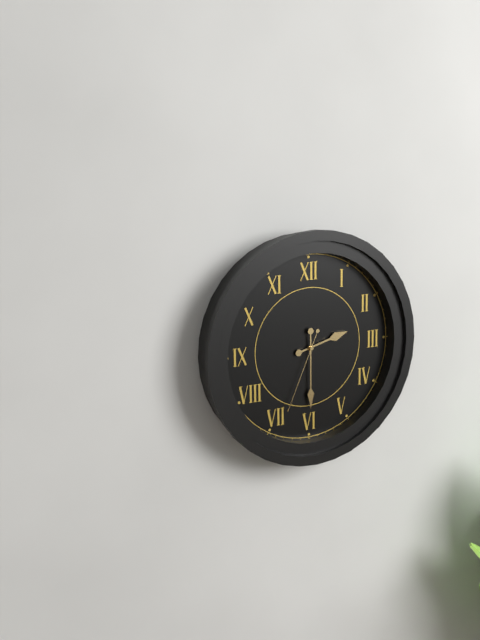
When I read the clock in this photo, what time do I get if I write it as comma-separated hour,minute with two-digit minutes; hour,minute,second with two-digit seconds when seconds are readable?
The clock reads 2,30,34
